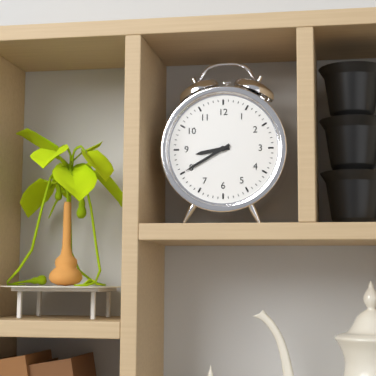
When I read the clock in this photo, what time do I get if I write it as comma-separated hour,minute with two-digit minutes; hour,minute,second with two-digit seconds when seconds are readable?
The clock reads 8,40
